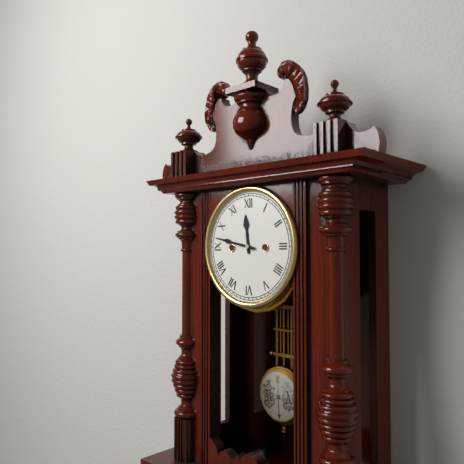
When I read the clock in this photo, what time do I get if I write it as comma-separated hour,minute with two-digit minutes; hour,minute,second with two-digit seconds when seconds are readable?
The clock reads 11,47
